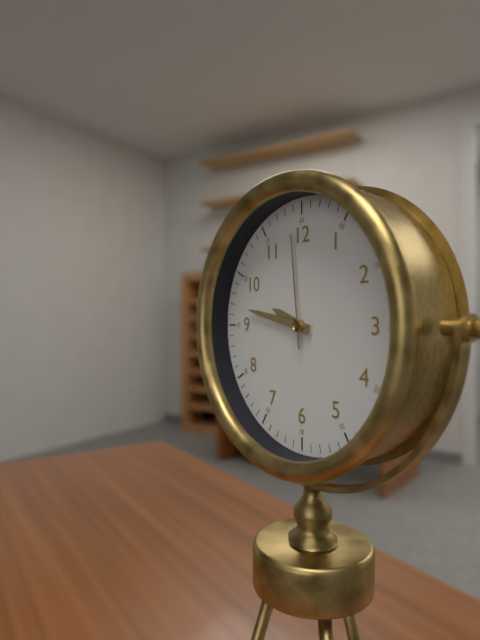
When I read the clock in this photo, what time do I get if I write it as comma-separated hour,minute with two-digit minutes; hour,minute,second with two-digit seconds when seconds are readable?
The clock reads 9,47,59
